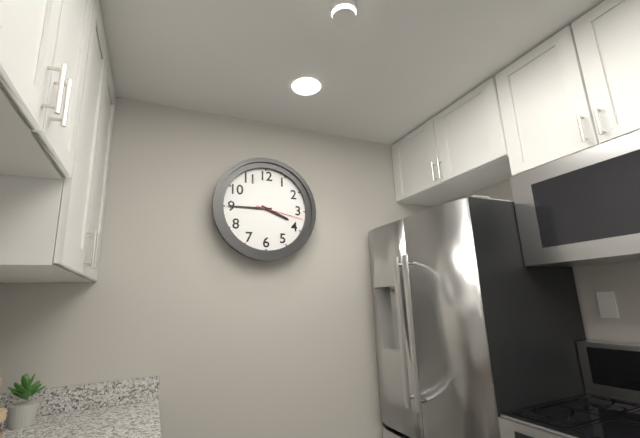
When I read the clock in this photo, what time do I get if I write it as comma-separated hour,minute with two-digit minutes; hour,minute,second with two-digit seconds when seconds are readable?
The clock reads 3,45
